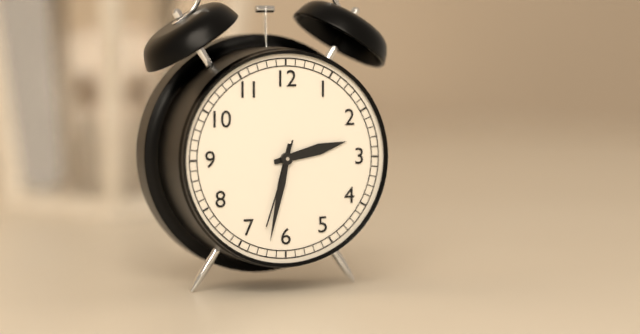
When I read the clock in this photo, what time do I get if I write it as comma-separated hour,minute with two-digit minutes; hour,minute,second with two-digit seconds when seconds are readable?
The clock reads 2,32,33
